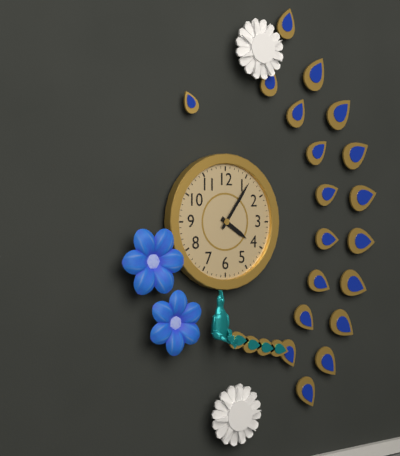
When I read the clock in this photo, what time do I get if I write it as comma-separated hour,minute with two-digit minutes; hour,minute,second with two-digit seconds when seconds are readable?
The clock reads 4,06
